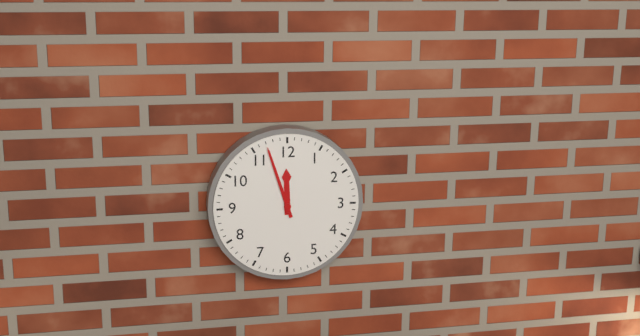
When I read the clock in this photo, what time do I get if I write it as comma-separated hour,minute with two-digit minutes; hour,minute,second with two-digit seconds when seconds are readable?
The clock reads 11,57
